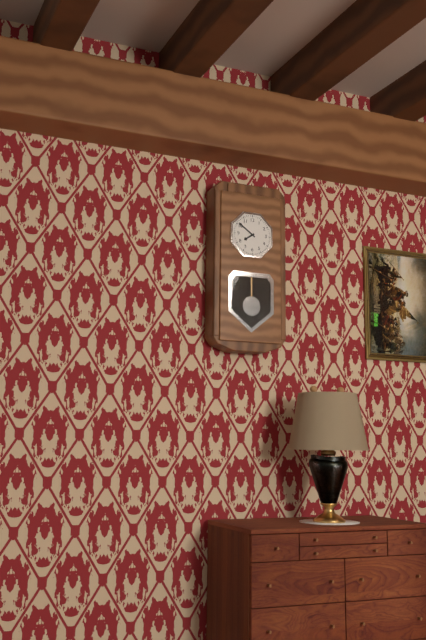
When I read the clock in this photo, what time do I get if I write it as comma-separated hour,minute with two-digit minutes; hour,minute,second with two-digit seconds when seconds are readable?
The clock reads 7,51
